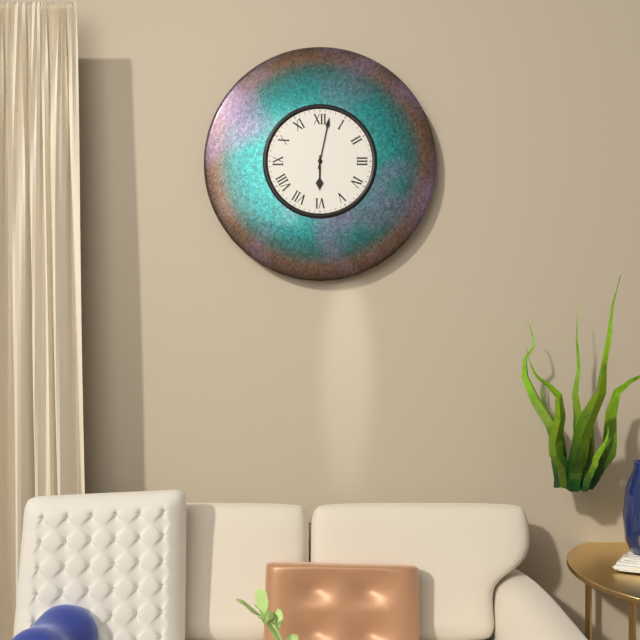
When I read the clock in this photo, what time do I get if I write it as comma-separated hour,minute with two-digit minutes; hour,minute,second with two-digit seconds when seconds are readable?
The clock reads 6,02
